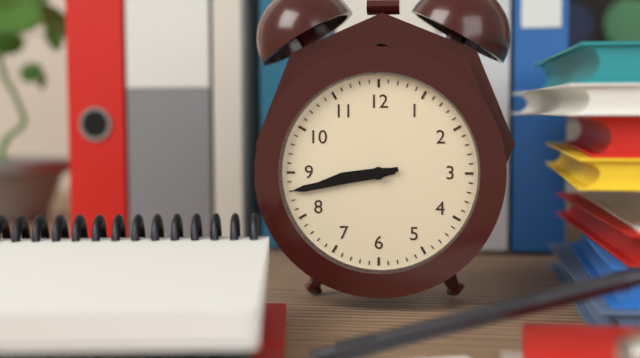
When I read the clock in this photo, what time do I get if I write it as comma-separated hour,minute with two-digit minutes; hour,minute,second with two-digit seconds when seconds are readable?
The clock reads 8,43
